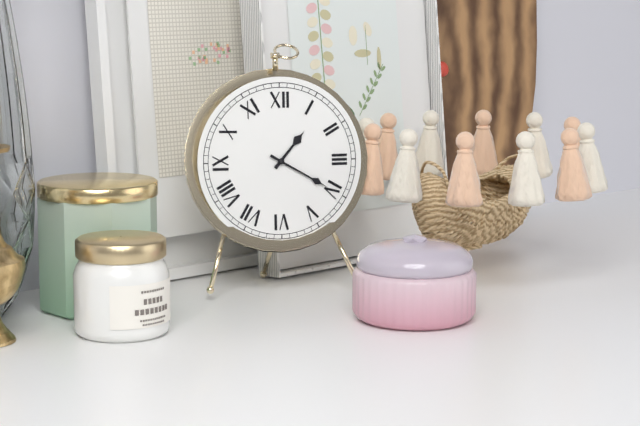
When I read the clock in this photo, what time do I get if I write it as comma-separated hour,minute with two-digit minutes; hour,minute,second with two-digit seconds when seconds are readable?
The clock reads 1,20
